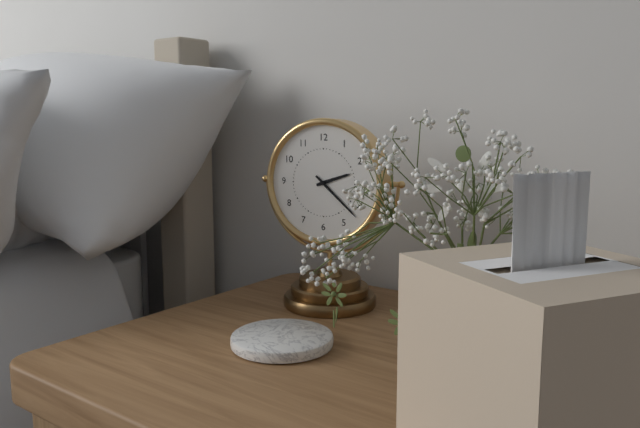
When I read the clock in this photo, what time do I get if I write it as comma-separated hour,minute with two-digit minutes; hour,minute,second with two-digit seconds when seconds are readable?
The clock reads 2,22
